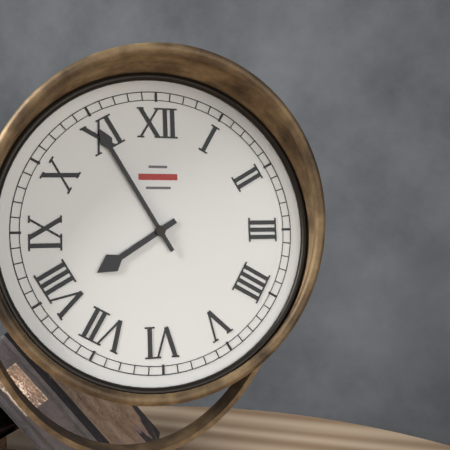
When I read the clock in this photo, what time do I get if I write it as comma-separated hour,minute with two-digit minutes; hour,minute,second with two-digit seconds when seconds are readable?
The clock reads 7,55
